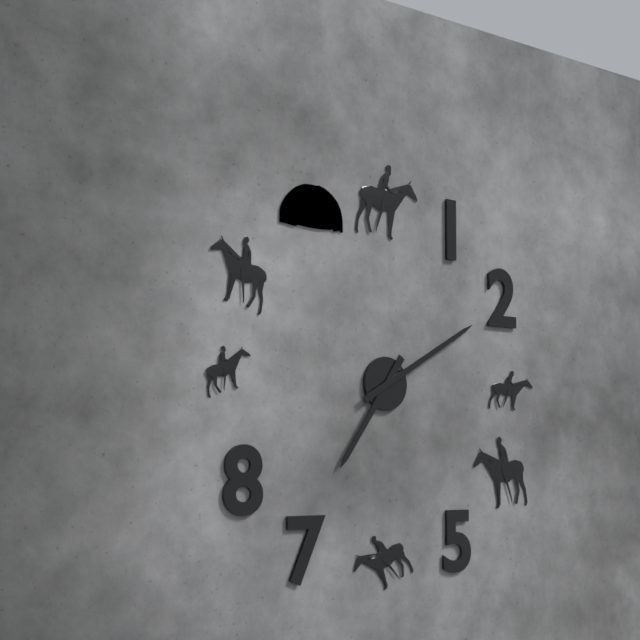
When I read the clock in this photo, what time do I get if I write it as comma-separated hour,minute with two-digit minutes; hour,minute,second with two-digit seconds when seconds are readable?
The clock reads 7,10
